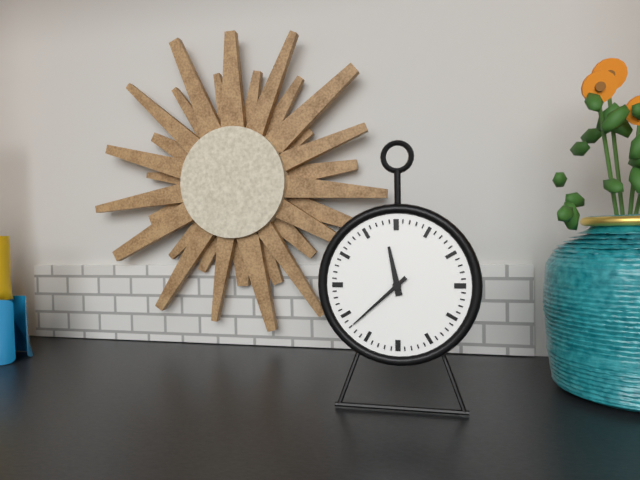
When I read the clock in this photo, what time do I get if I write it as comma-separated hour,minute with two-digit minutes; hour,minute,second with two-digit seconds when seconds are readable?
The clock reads 11,38
